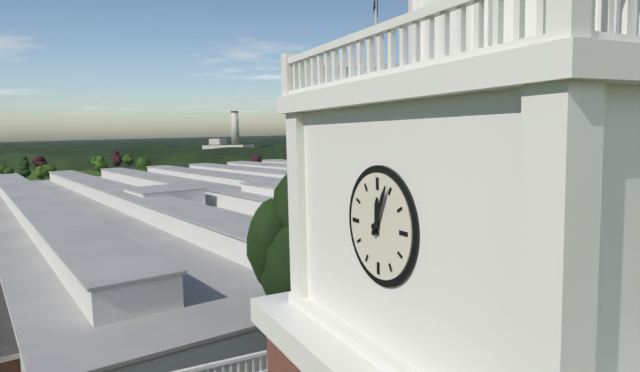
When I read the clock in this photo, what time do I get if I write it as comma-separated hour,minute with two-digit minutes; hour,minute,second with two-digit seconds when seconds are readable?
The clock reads 12,04
